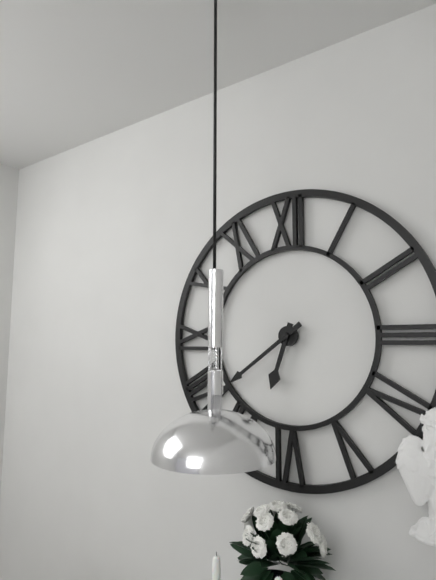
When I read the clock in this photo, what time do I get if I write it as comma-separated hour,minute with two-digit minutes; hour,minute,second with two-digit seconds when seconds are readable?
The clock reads 6,39
